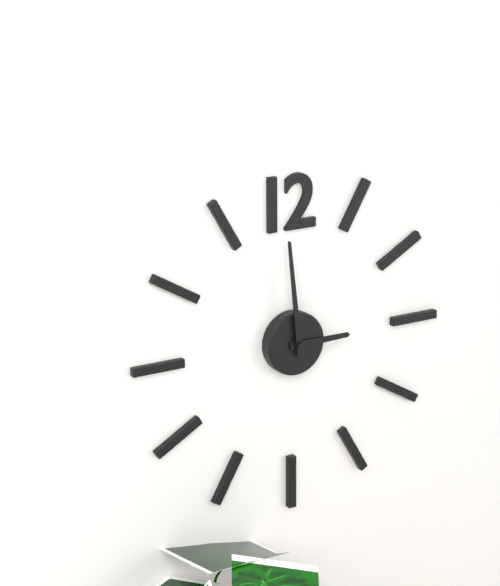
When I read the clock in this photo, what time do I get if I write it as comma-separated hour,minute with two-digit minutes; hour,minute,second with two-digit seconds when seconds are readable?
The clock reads 2,59
